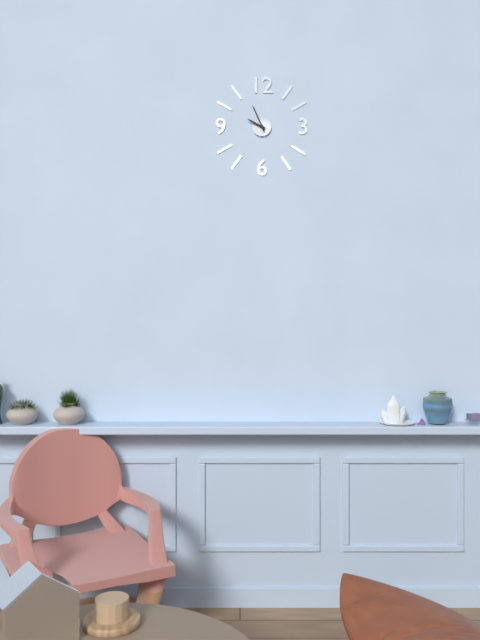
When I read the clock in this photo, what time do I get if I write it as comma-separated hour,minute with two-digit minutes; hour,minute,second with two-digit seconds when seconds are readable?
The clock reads 9,56
